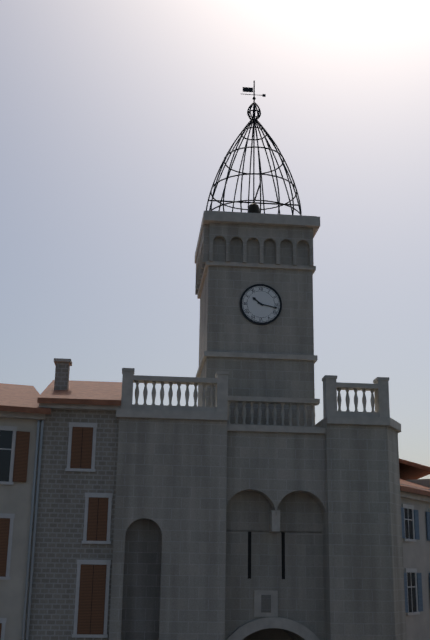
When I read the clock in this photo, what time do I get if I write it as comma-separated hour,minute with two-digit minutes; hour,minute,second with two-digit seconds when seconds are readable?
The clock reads 10,17
